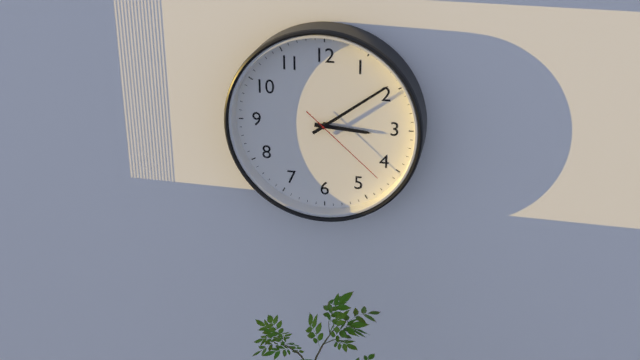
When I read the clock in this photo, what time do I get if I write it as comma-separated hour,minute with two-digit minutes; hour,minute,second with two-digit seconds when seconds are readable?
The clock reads 3,09,22
